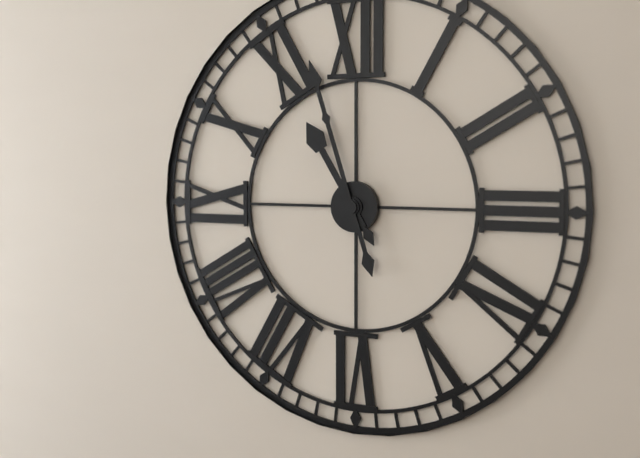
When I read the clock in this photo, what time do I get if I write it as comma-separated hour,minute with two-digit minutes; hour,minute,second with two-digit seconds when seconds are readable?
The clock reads 10,57
